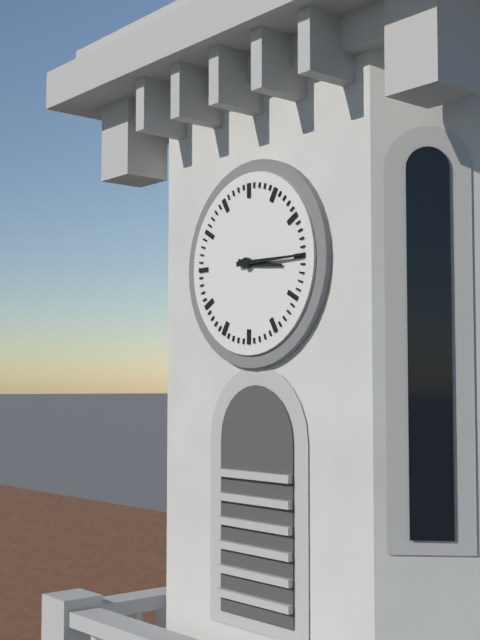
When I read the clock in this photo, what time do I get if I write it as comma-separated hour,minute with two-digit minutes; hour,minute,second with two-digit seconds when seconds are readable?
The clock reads 3,15
